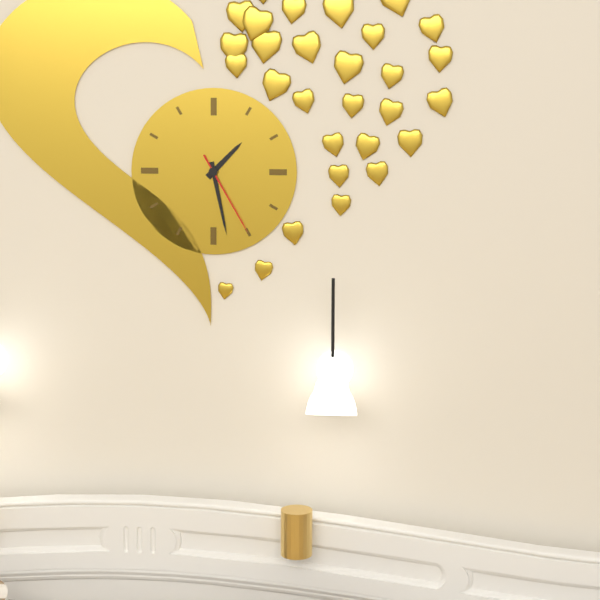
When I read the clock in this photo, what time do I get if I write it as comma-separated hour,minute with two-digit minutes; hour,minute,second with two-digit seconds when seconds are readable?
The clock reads 1,28,25
